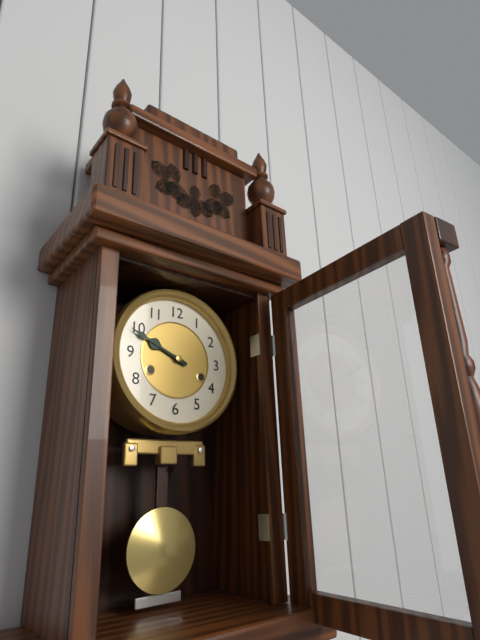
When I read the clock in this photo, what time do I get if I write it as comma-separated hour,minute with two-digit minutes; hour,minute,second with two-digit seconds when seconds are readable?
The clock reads 9,49
